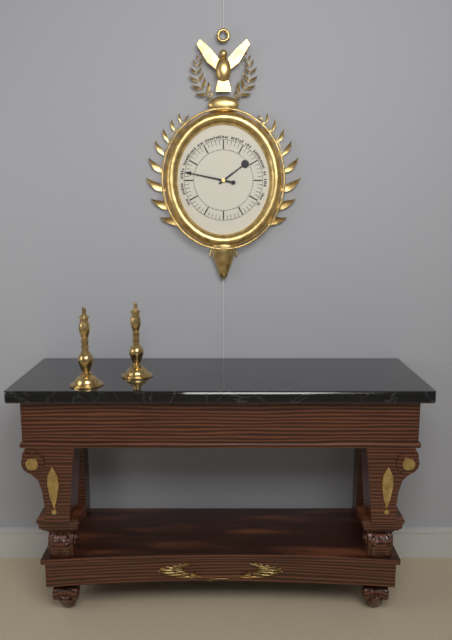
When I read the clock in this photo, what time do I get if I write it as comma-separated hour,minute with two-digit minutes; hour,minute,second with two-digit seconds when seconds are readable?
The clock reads 1,47
